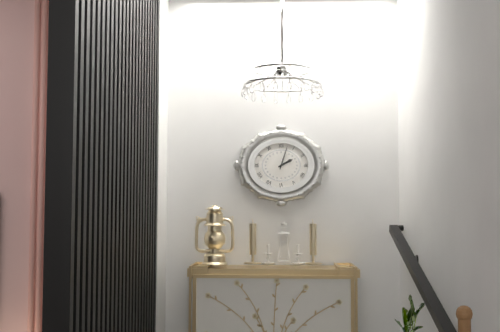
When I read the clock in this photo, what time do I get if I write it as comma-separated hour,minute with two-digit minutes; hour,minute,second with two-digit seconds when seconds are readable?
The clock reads 2,03
